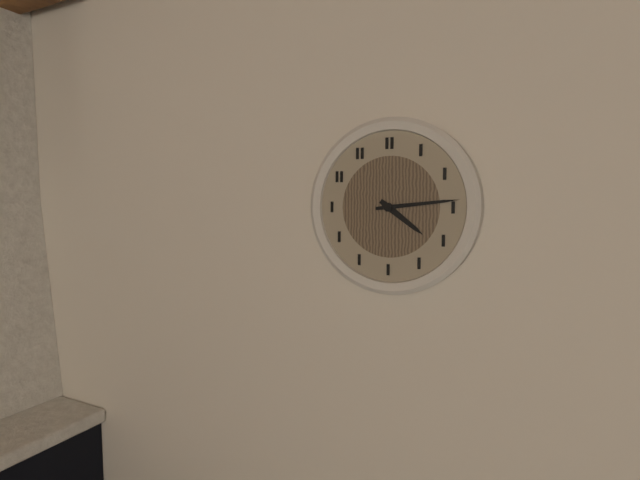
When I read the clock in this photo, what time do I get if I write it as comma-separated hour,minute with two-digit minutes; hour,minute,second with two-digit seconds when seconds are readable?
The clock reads 4,14
